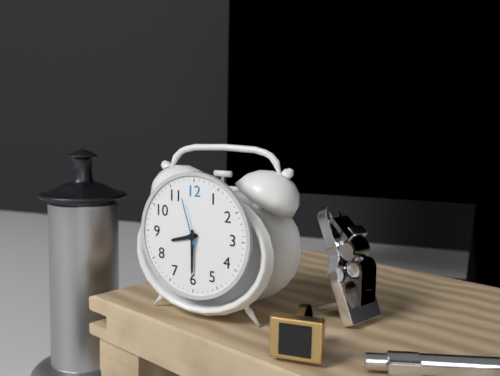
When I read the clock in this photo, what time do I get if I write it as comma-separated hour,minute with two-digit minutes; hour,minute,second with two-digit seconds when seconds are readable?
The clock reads 8,30,57
